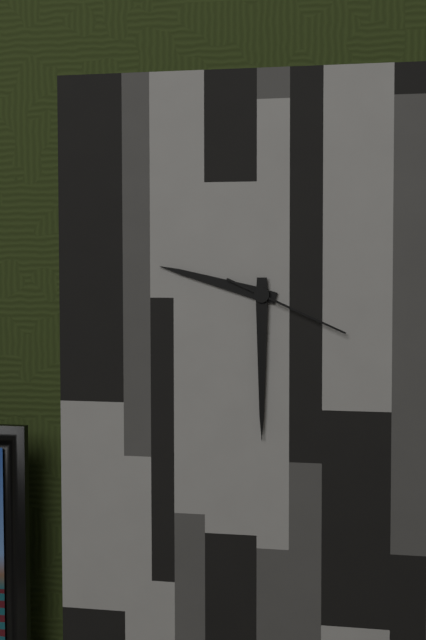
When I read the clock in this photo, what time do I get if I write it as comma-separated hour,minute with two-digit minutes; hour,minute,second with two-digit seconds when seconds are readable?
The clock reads 9,30,19
